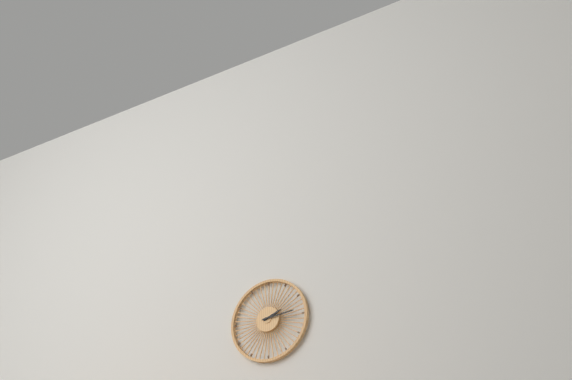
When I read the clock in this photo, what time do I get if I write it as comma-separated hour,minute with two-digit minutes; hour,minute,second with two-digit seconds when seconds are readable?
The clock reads 2,14
